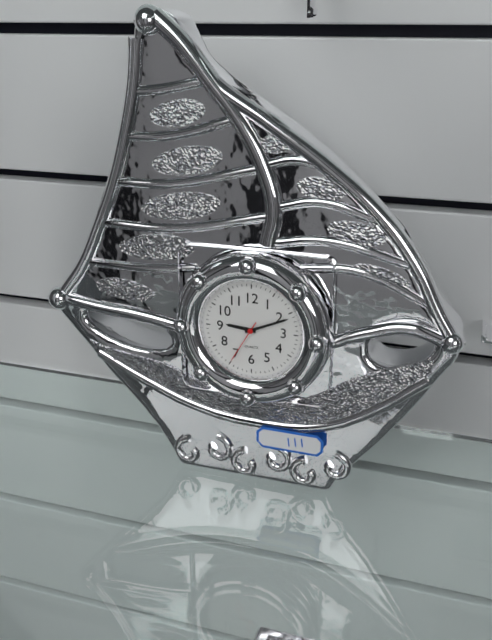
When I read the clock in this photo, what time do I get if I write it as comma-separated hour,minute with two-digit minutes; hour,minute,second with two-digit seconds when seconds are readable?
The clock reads 9,11
